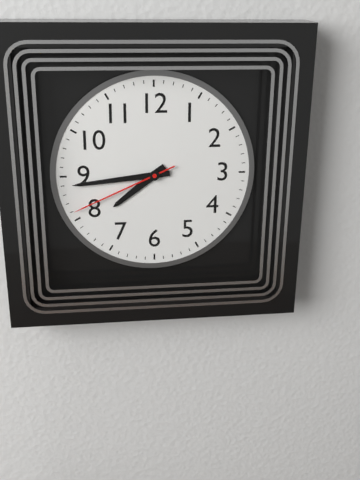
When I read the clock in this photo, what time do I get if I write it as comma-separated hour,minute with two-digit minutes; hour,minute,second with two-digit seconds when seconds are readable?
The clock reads 7,44,41
